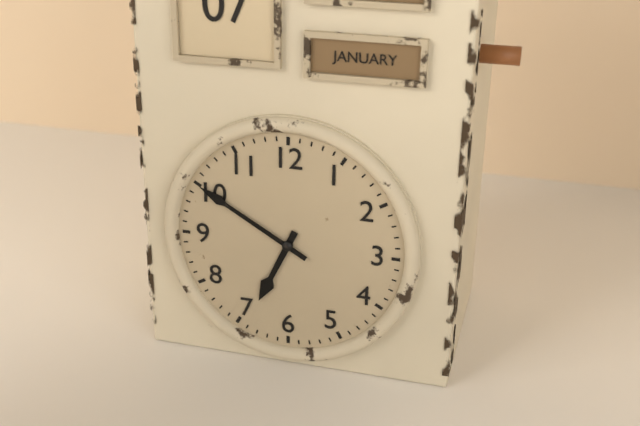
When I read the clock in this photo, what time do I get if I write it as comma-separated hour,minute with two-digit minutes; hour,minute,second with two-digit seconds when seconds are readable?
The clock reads 6,50
